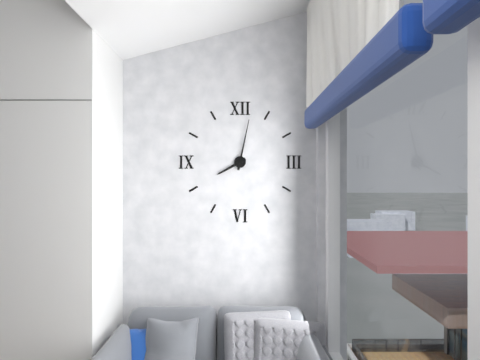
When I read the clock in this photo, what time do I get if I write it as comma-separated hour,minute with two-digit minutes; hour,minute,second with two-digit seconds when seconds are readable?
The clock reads 8,02
